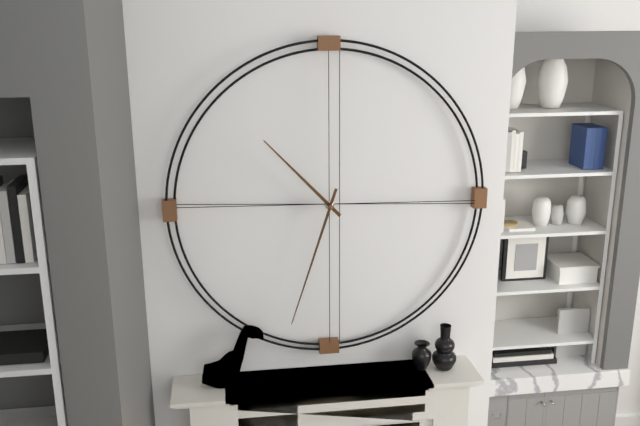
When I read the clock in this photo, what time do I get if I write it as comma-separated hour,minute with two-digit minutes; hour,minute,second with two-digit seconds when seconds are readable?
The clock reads 10,33
